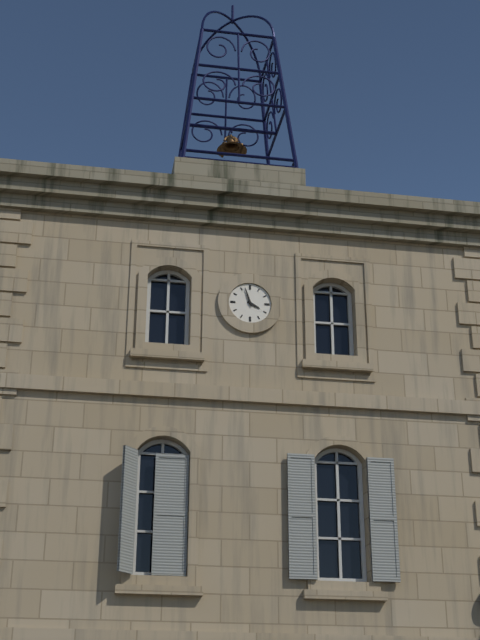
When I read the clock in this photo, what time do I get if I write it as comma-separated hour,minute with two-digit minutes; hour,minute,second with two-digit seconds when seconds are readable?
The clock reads 3,57
